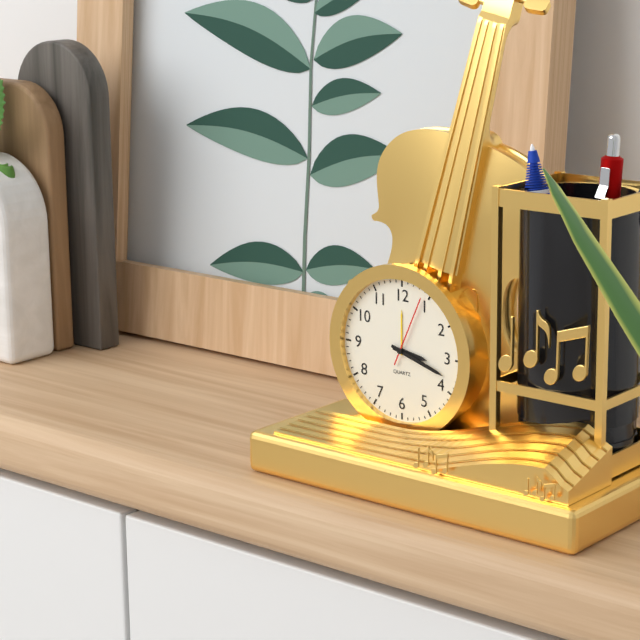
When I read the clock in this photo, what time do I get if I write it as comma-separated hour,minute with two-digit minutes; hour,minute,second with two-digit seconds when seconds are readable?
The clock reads 3,18,04
